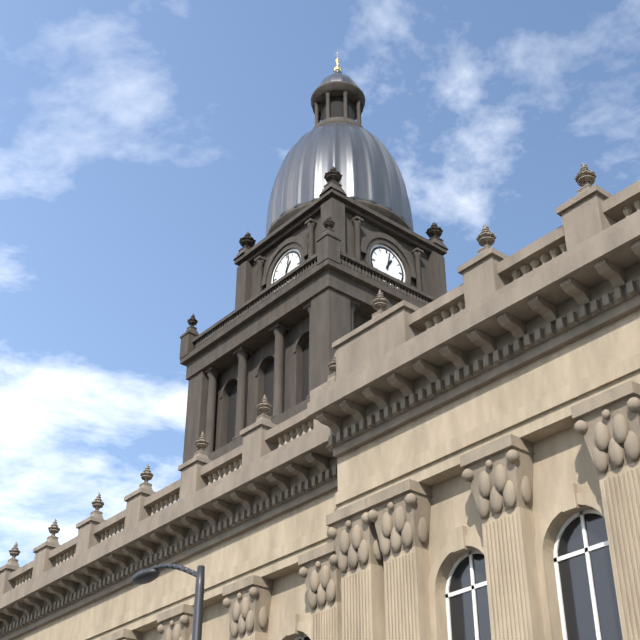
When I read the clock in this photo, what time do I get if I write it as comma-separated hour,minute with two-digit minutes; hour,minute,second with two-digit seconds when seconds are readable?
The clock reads 1,02
